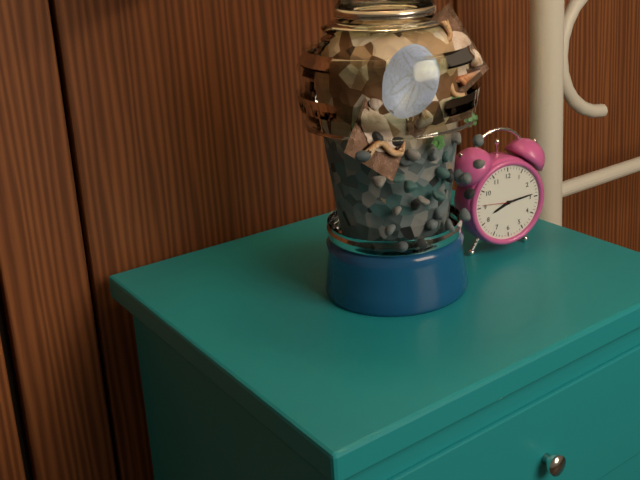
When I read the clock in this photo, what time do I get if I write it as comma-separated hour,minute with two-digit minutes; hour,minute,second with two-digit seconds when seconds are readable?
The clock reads 8,14
